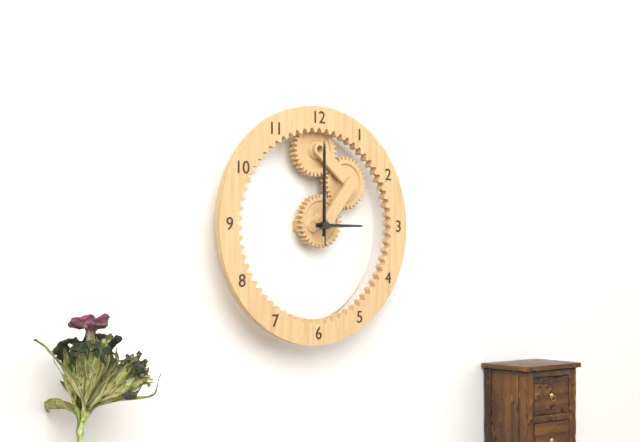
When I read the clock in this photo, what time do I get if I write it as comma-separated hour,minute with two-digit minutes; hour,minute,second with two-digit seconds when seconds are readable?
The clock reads 3,00,00
